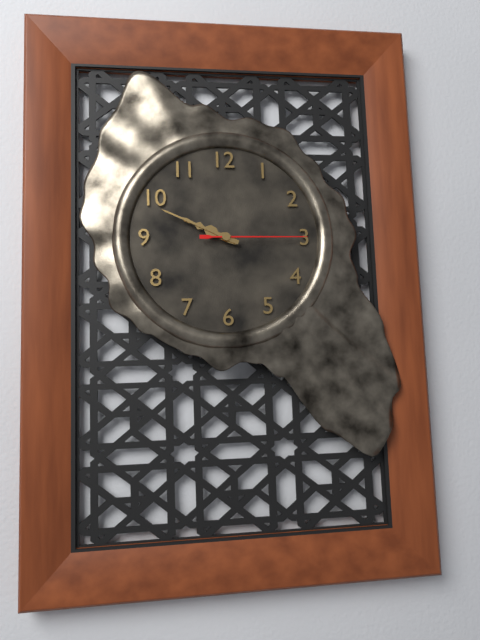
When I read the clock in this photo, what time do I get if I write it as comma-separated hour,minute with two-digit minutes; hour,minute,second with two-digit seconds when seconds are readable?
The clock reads 9,49,15
